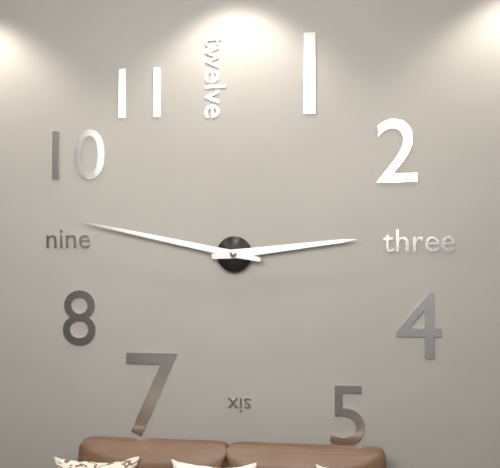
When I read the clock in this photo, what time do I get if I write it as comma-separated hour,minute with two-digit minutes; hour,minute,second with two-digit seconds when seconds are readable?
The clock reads 2,47
